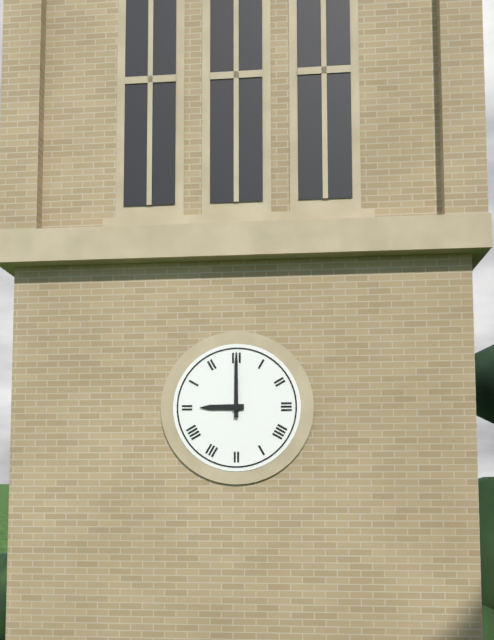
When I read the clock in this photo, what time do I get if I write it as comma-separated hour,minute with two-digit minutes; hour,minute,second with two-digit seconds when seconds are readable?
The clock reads 9,00
